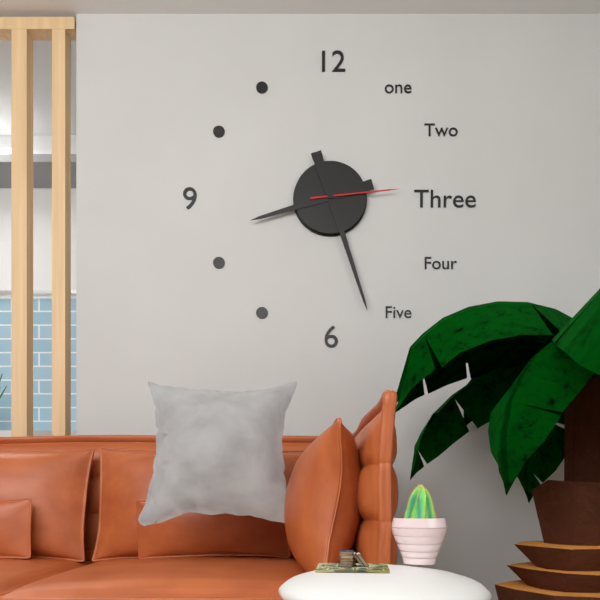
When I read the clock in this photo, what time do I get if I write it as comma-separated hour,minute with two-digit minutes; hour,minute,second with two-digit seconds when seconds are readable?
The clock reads 8,27,14
